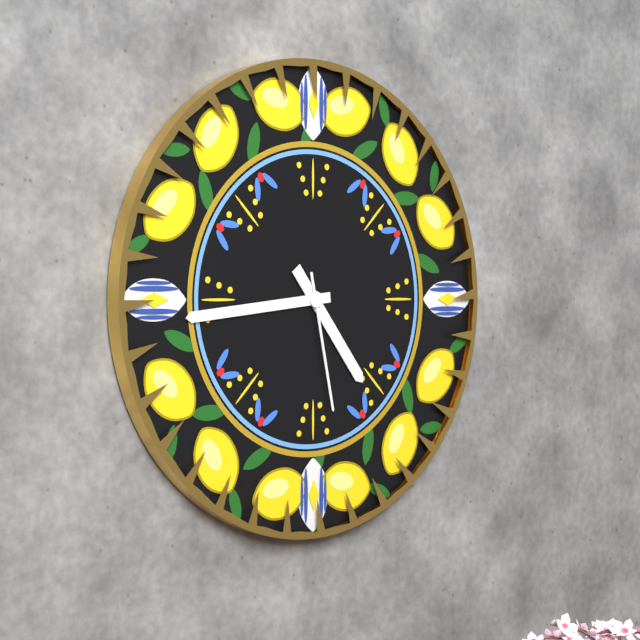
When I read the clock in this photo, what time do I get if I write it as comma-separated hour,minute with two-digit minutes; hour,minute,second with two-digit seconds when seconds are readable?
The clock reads 4,44,28
